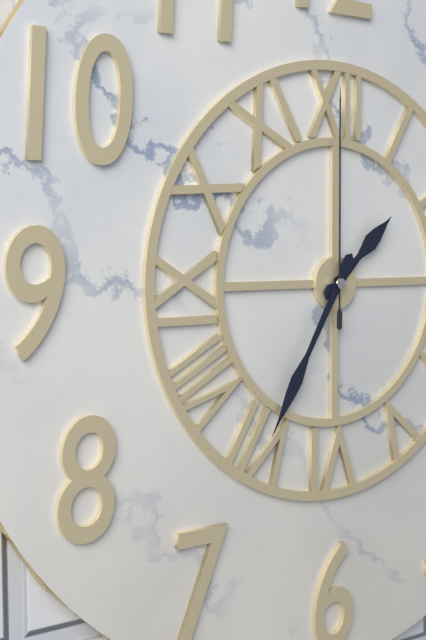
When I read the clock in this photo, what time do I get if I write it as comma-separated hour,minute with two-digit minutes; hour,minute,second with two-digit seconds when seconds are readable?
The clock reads 1,35,00
